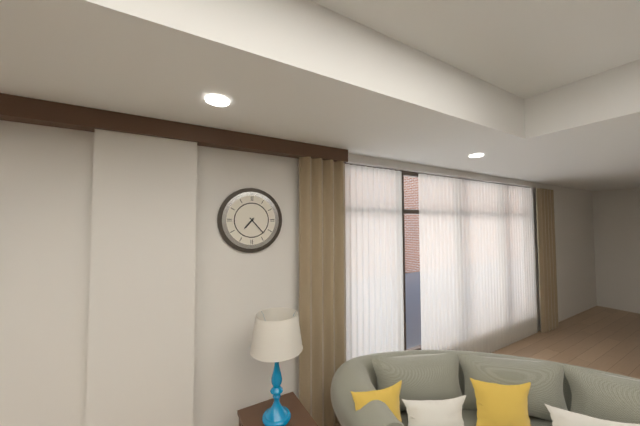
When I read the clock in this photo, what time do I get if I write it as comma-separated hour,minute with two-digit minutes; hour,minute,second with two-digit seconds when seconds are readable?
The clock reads 7,23
